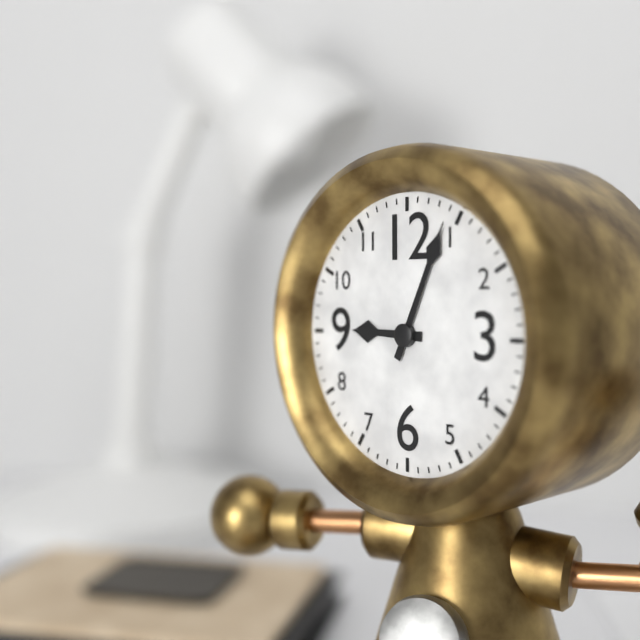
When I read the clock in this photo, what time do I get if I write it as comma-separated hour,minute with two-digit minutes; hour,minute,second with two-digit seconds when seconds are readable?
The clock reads 9,04
